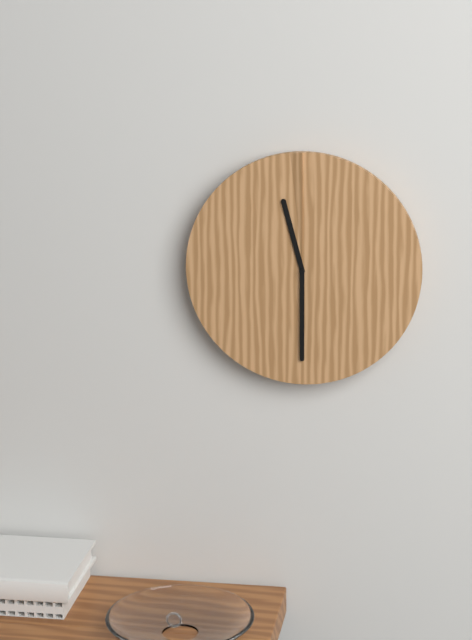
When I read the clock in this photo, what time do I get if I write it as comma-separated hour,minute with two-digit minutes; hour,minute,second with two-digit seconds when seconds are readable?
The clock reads 11,30
